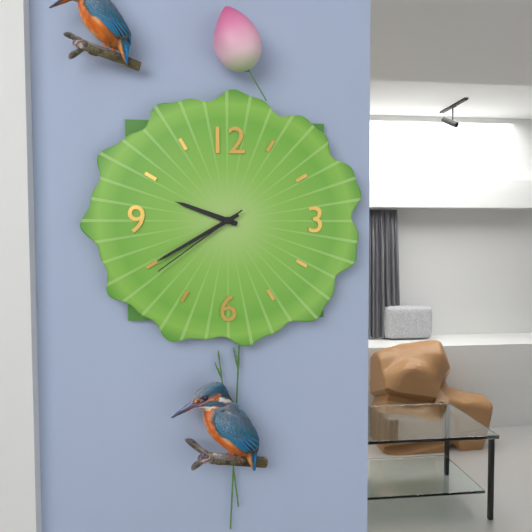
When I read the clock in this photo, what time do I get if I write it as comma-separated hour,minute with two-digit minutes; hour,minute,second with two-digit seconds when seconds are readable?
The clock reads 9,40,39
